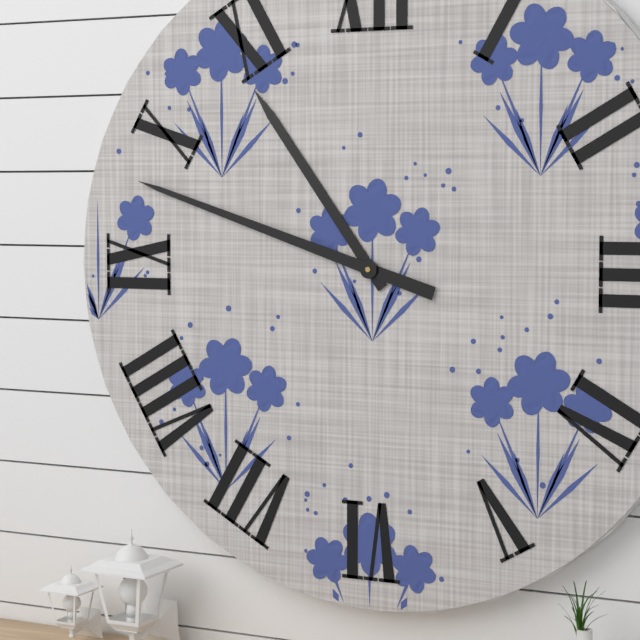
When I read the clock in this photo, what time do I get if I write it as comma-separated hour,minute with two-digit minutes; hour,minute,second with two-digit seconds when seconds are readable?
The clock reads 10,48
